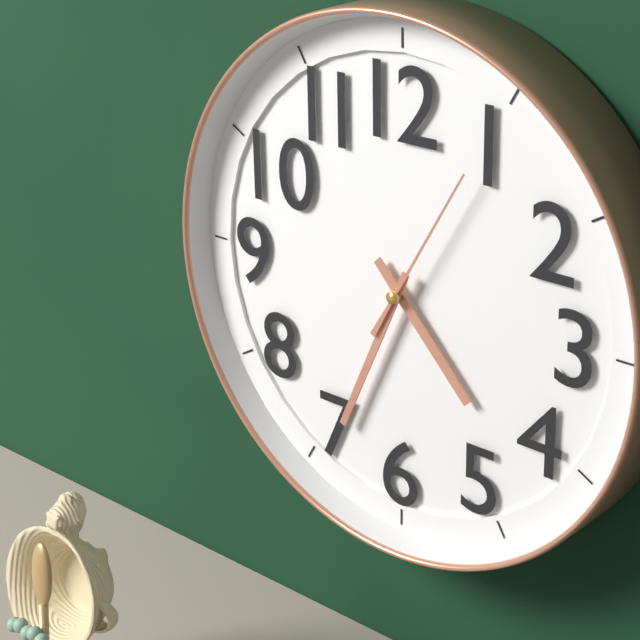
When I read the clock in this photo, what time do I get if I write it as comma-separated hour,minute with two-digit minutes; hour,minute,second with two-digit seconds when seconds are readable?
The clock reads 4,34,05
